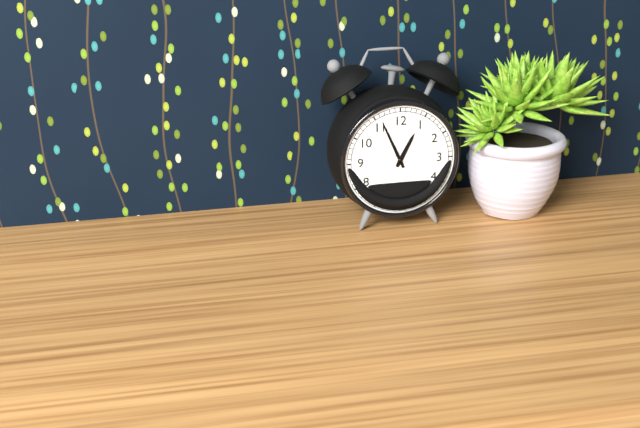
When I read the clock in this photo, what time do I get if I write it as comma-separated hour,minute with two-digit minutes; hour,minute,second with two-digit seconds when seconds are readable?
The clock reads 12,56
